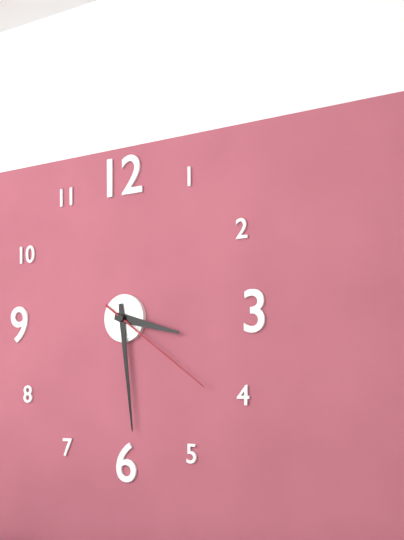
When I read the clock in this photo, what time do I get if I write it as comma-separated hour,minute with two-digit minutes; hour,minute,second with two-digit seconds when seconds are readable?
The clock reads 3,29,21
